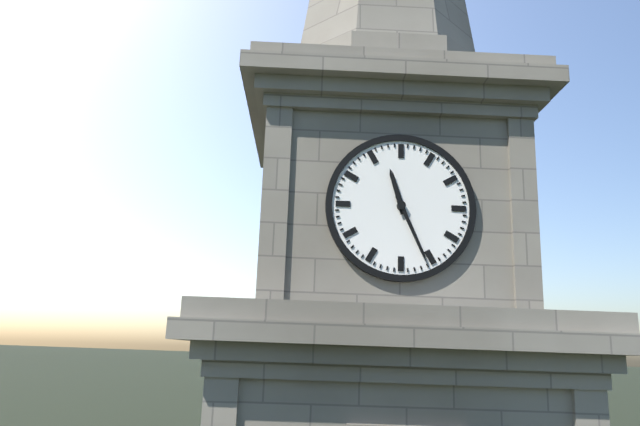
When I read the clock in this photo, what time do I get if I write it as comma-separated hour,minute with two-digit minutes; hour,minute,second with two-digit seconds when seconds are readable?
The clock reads 11,26
